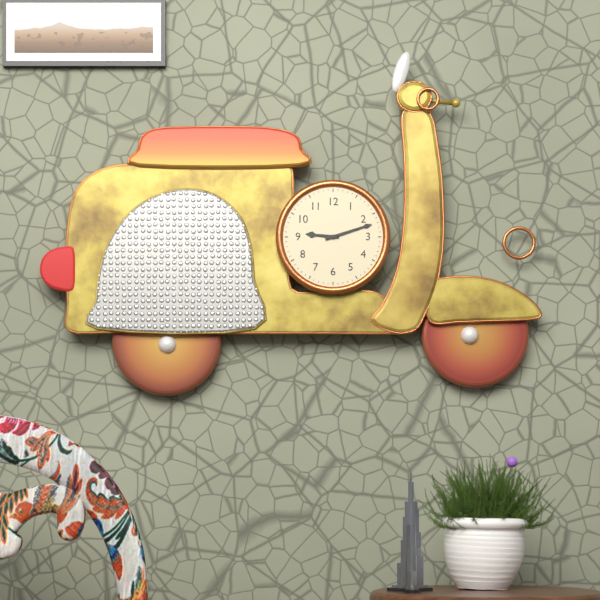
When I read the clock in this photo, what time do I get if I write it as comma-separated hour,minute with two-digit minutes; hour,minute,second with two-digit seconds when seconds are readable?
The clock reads 9,12
